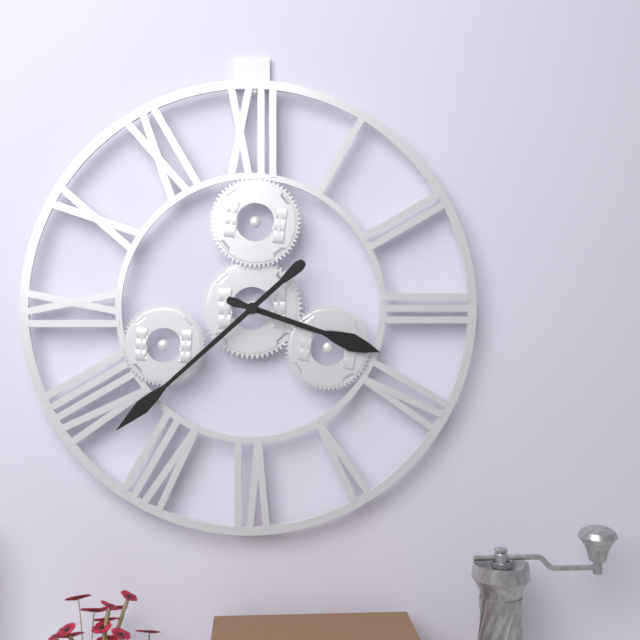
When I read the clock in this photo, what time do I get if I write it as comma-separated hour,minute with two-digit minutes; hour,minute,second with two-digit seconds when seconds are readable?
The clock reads 3,38
